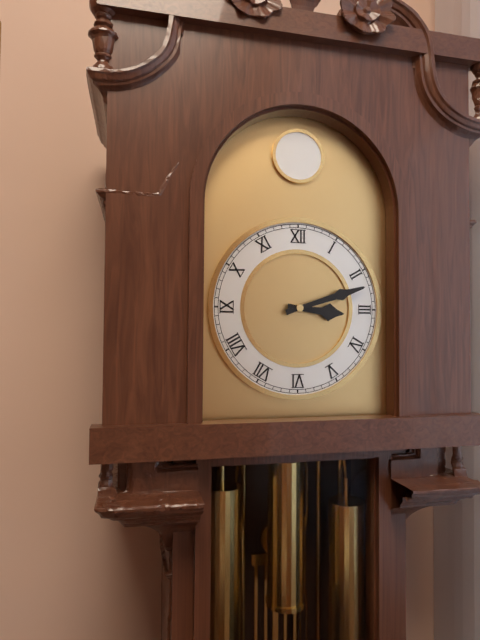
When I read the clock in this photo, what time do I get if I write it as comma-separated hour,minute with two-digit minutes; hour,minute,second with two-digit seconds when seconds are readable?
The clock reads 3,12
